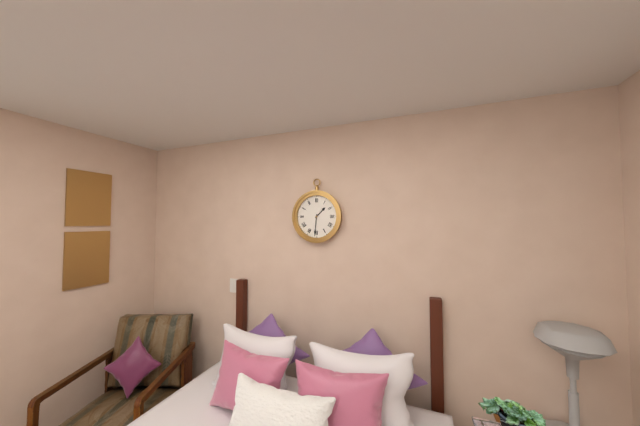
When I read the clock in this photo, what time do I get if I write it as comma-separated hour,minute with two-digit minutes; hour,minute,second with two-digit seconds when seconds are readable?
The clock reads 1,31
